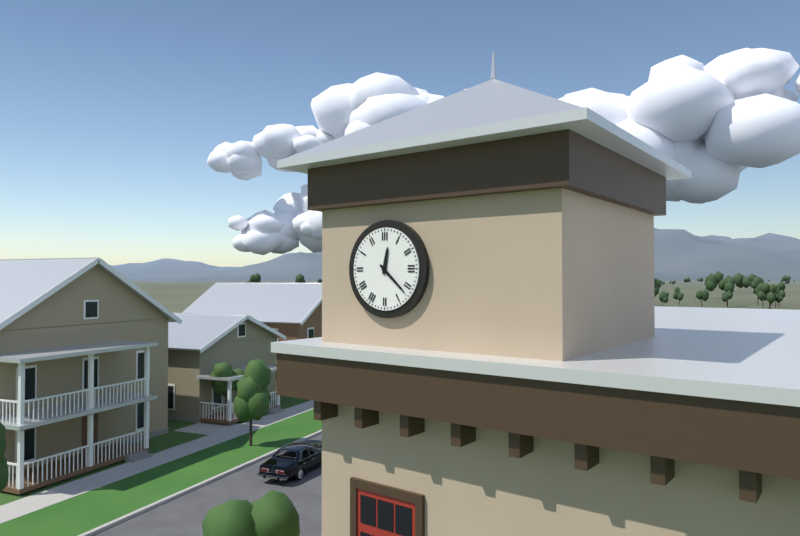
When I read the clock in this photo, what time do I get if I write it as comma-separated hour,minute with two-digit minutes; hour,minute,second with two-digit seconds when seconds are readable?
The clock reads 12,22
